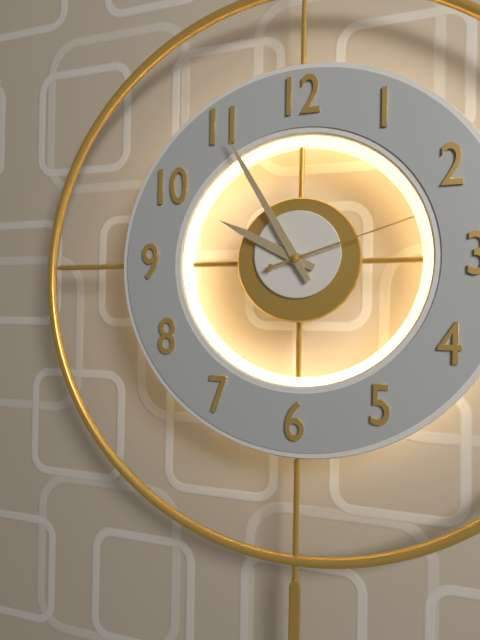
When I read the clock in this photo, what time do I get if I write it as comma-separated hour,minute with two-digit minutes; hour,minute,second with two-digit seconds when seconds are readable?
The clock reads 9,55,12
